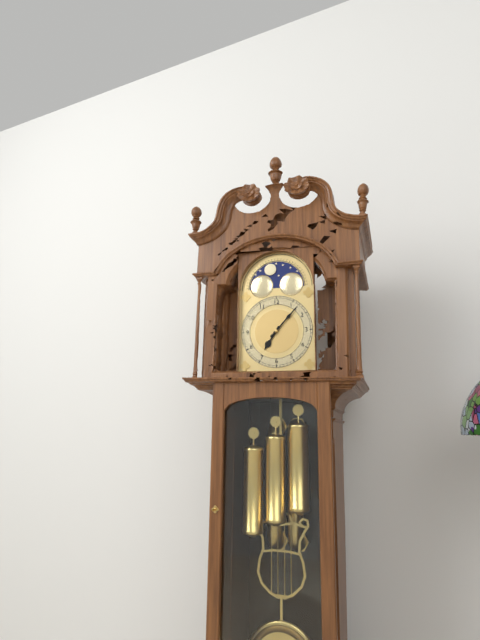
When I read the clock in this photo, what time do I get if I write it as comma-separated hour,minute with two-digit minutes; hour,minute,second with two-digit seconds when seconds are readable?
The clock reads 7,07
